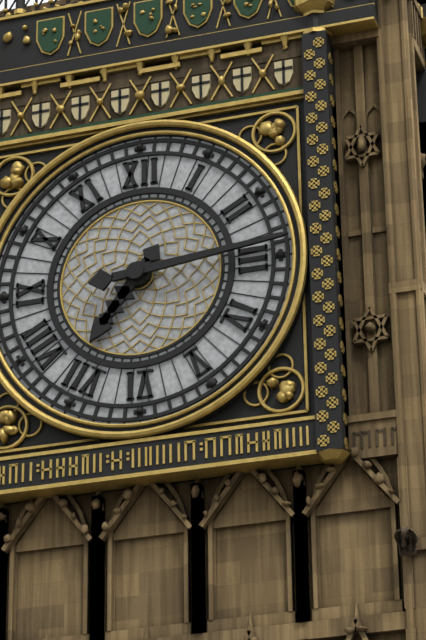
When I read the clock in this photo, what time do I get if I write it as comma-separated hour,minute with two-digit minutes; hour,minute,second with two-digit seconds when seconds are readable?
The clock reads 7,14
